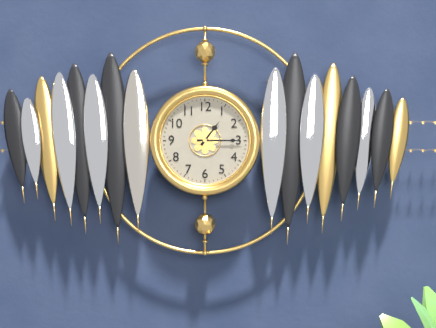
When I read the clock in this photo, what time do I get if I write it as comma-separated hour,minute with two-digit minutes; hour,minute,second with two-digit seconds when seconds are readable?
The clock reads 1,15
